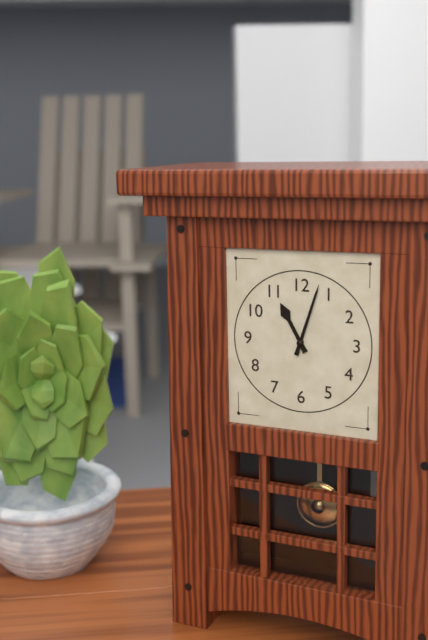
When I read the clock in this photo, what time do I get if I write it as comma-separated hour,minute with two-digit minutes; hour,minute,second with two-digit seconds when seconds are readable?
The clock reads 11,03
